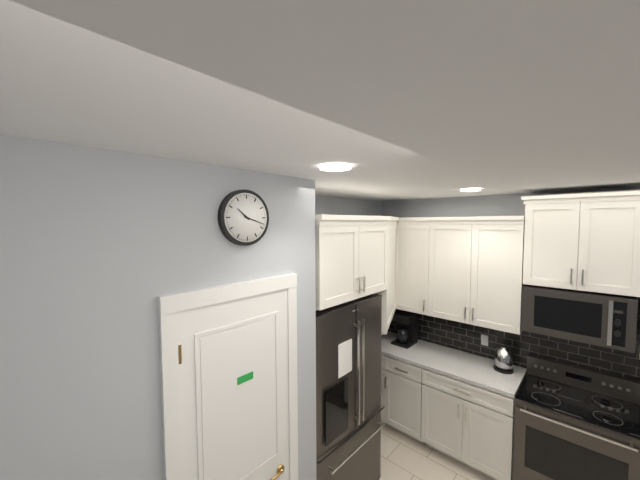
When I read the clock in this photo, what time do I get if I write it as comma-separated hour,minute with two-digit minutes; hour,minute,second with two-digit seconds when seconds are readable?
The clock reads 10,18
